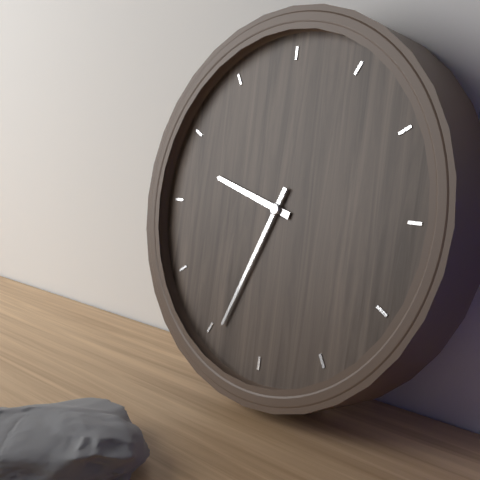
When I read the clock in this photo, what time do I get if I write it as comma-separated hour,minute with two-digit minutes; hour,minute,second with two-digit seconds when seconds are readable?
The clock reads 9,34
